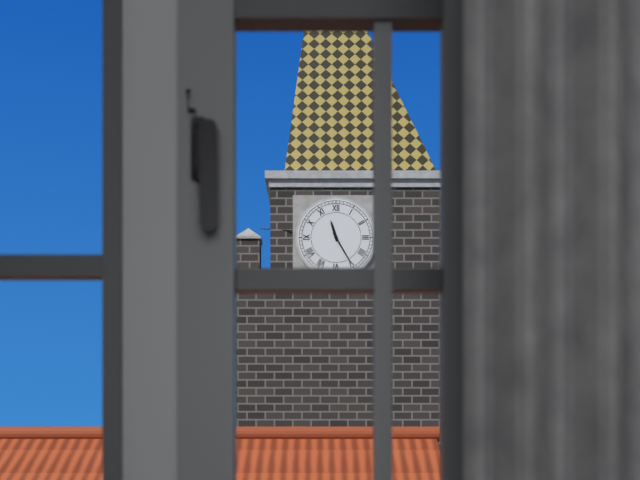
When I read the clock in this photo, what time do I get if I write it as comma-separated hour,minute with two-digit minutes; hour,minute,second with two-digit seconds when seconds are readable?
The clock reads 11,25
